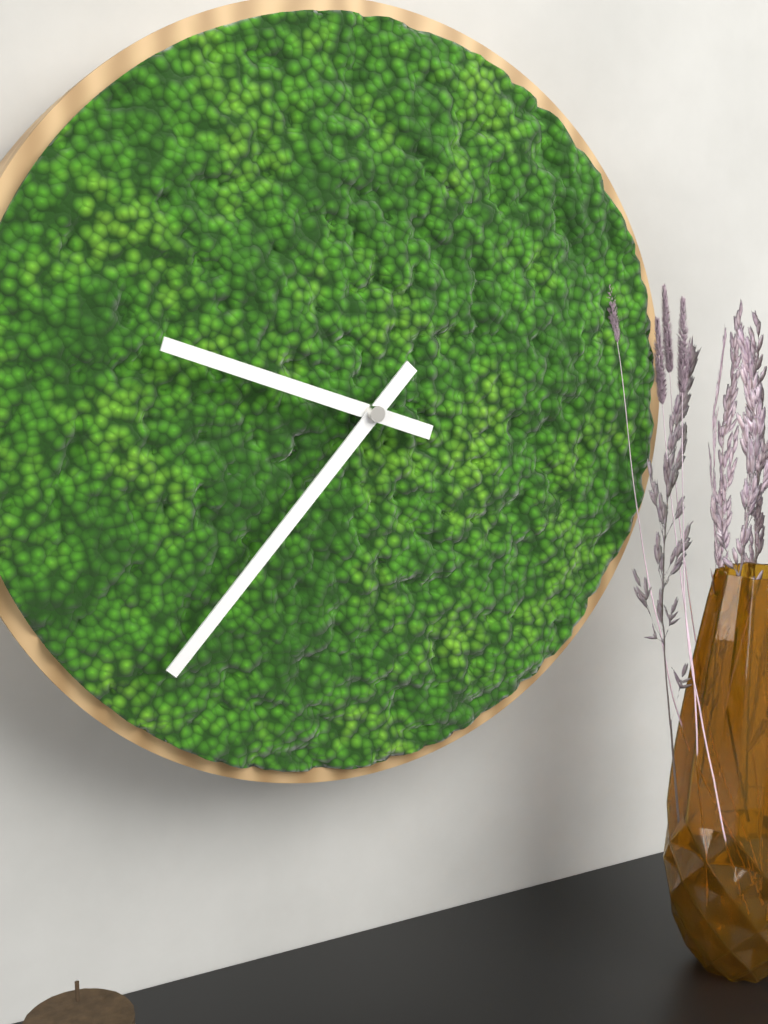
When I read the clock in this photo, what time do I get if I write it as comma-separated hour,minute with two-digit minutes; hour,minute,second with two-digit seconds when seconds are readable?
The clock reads 9,37
